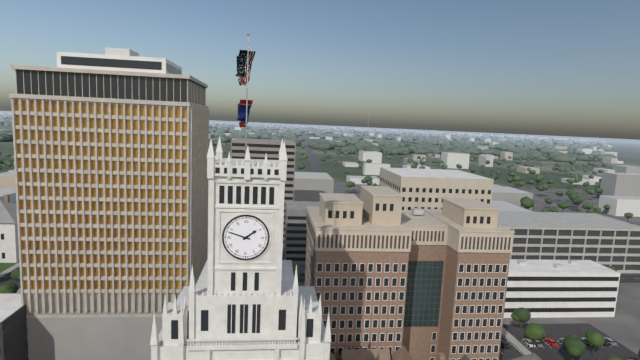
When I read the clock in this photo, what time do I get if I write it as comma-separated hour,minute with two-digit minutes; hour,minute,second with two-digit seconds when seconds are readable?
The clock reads 1,48
